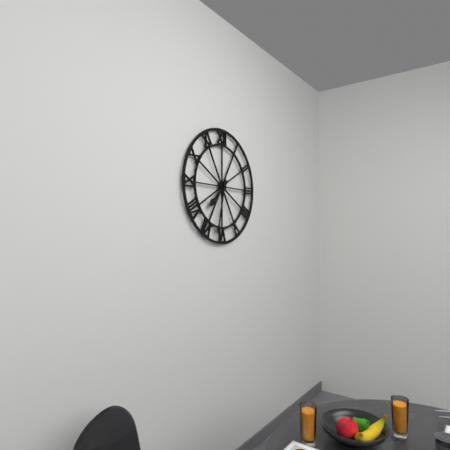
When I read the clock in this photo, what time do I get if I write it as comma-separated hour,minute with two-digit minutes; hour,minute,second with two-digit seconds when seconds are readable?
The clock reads 7,32
